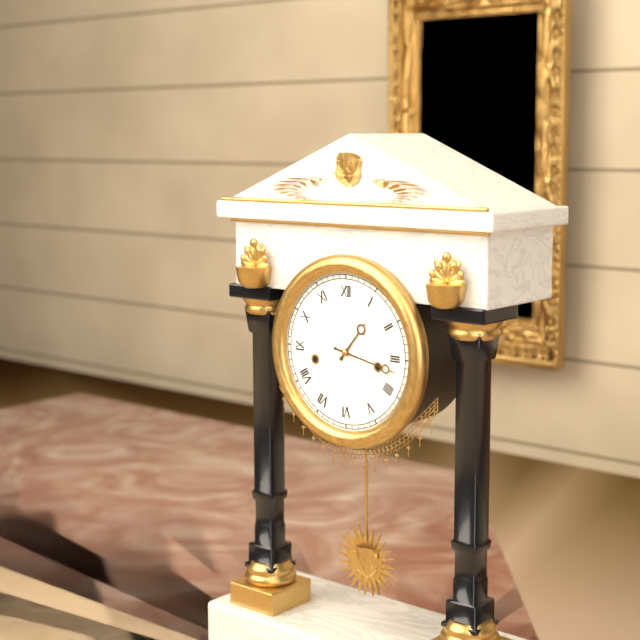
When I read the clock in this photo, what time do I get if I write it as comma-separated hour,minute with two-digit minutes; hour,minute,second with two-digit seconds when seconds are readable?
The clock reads 1,17
